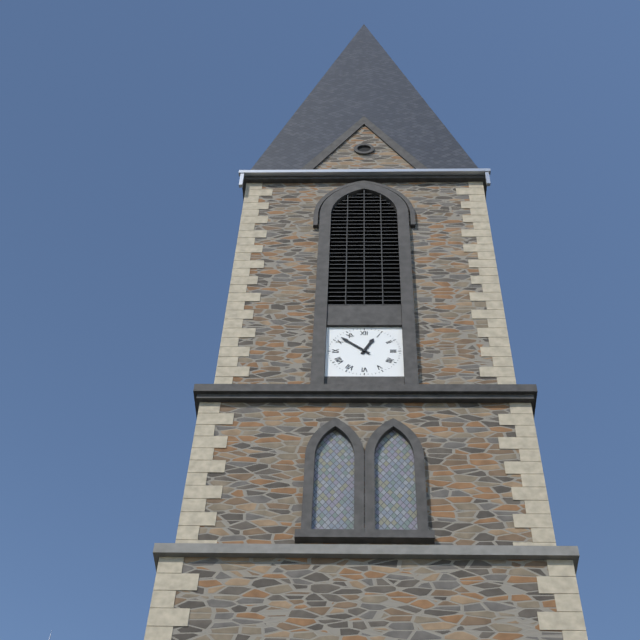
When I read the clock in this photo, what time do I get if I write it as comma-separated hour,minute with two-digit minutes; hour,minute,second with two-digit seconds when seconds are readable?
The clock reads 12,52
